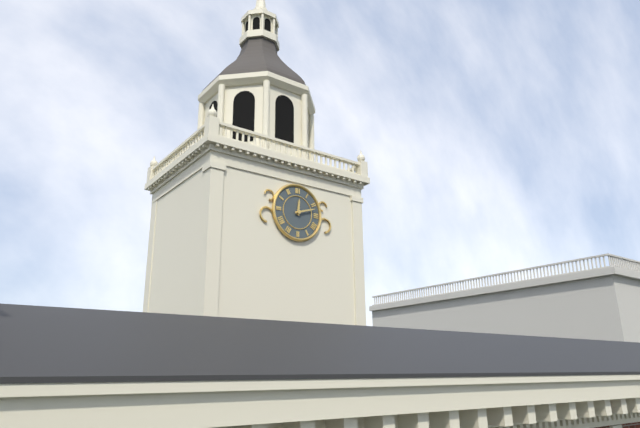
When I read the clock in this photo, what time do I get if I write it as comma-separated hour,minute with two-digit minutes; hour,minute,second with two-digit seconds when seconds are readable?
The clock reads 12,12
